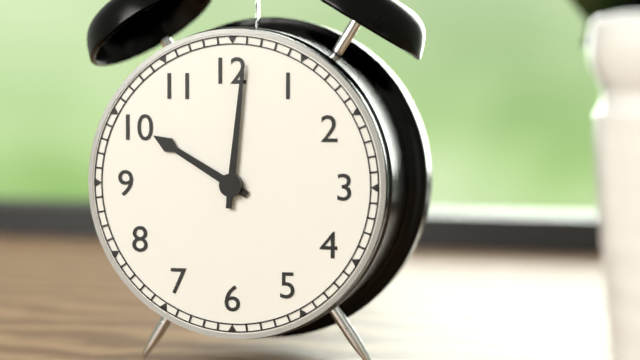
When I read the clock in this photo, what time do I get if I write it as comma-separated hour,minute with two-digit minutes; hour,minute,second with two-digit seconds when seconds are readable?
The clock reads 10,01
